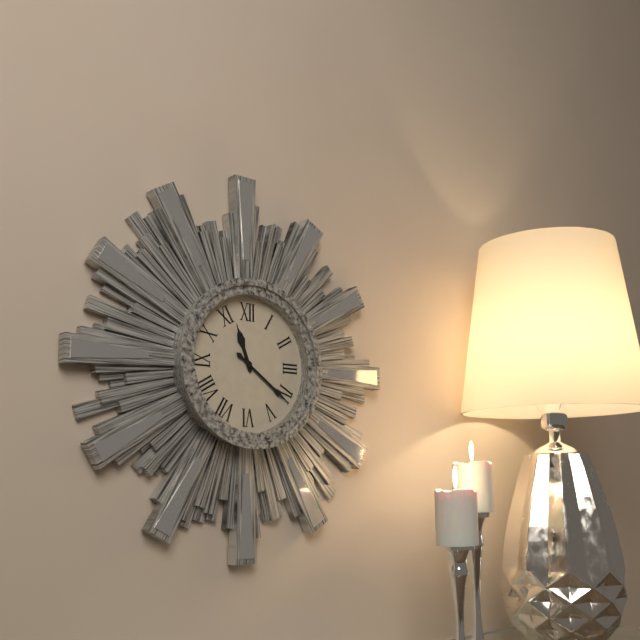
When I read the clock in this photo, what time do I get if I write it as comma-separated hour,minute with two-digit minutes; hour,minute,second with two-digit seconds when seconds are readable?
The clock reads 11,21
